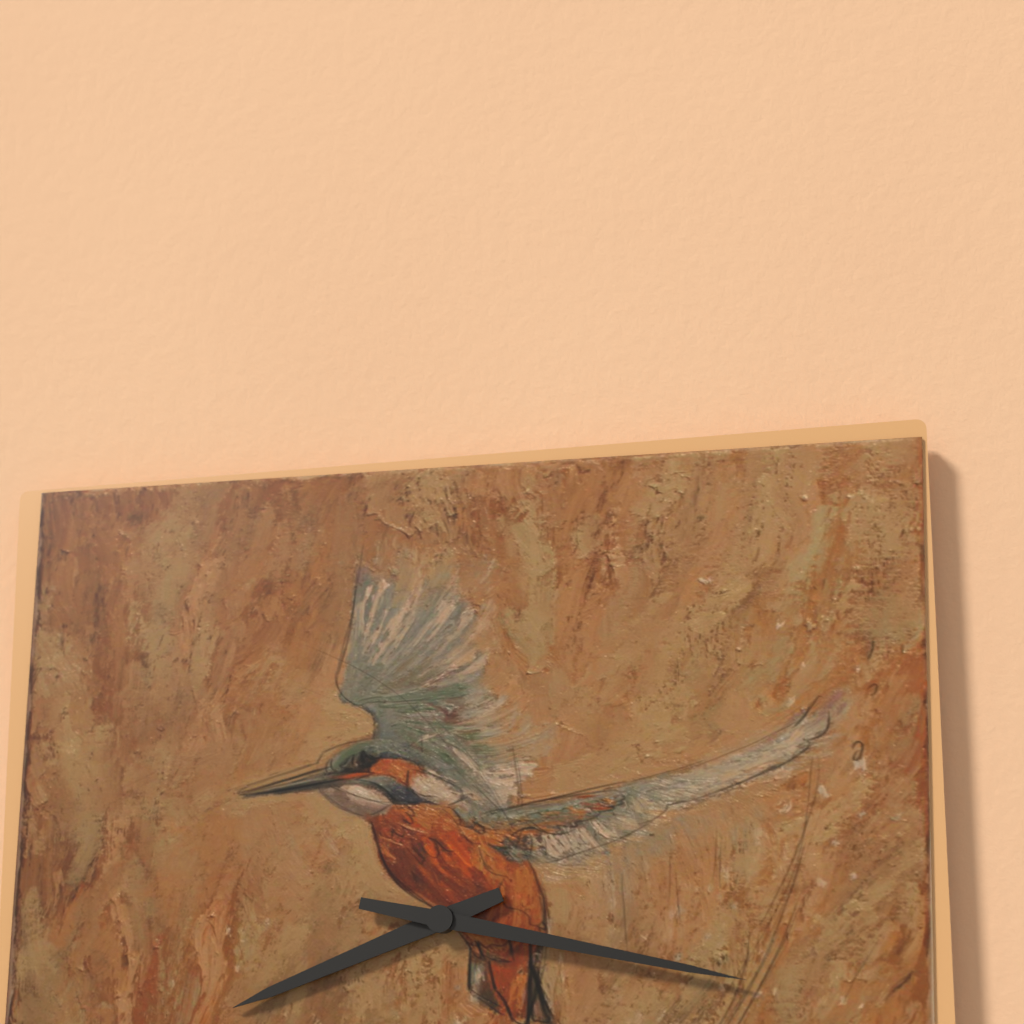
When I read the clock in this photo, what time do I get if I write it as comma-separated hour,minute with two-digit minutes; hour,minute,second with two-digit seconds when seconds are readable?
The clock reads 8,17
